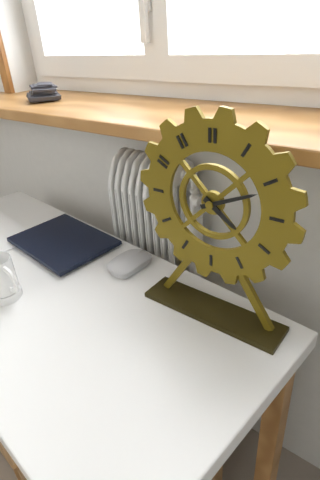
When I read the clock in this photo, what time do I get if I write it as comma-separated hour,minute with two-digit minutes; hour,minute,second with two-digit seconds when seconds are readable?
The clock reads 4,11
